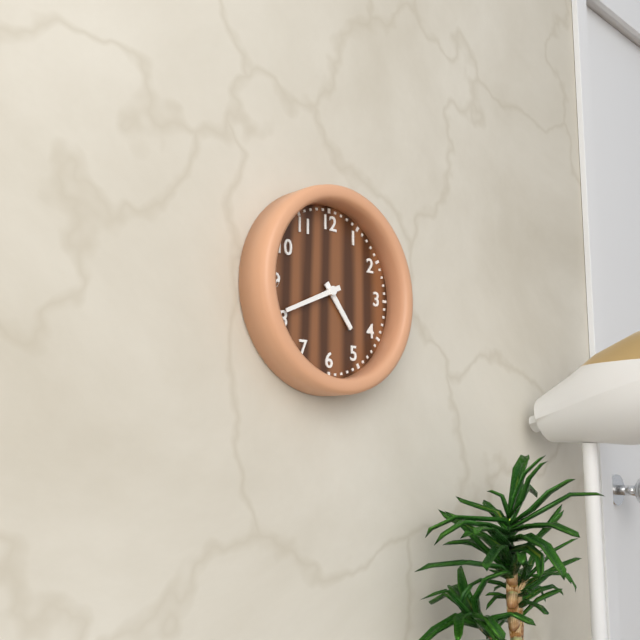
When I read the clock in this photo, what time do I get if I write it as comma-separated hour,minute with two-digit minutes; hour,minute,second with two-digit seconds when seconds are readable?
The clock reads 4,41
